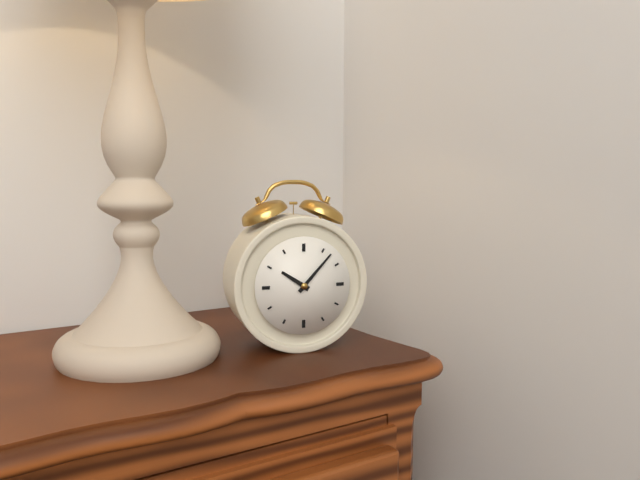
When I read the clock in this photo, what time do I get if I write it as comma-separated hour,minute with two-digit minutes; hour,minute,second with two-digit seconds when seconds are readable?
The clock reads 10,07
